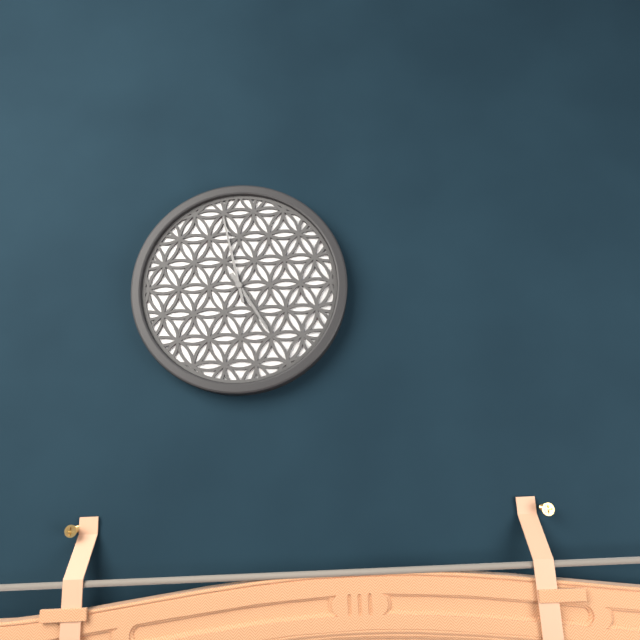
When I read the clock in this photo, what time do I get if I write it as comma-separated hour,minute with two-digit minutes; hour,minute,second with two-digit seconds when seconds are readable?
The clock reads 4,58
